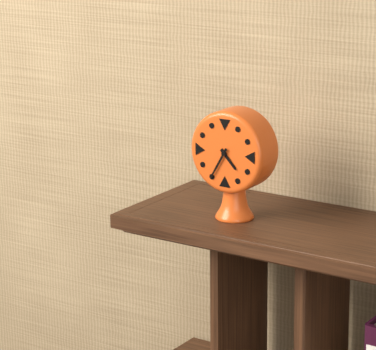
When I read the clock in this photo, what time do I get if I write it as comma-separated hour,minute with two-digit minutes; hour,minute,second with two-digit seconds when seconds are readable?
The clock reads 4,35
